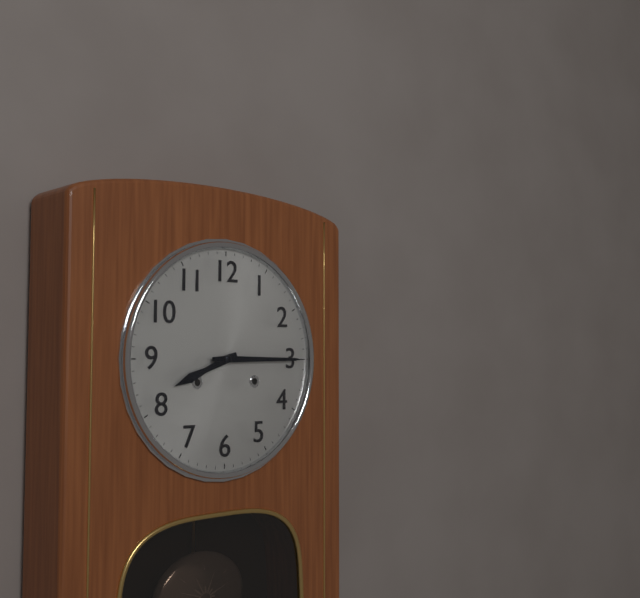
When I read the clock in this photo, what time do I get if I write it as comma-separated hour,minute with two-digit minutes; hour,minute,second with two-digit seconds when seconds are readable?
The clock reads 8,15
